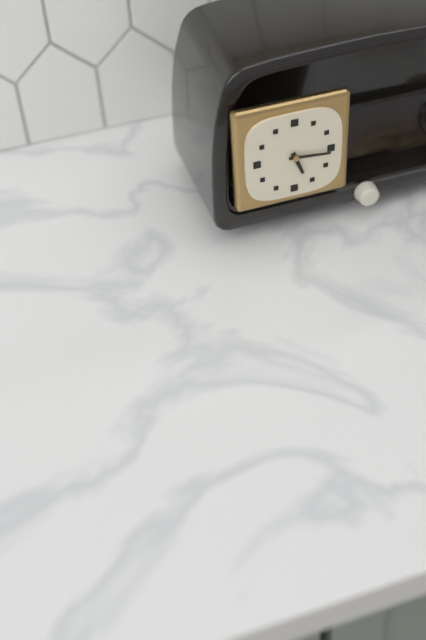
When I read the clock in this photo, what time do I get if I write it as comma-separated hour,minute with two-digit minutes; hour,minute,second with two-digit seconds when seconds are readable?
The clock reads 5,16
